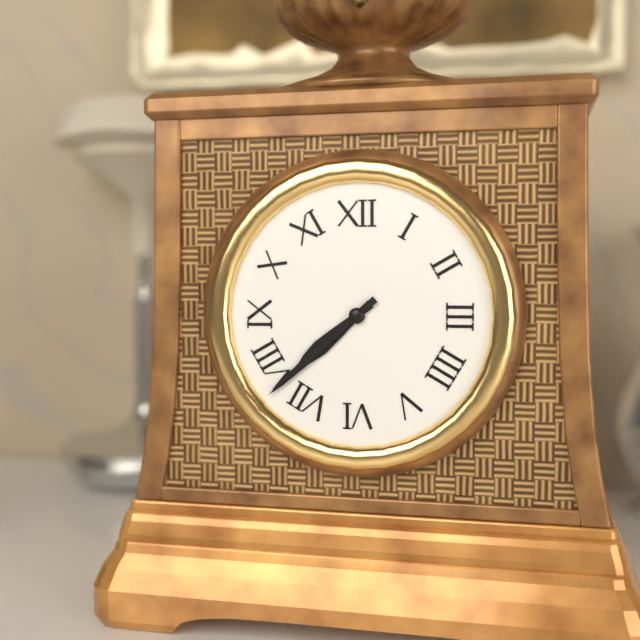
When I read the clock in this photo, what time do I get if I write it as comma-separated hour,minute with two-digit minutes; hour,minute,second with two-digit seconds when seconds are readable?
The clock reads 7,38
